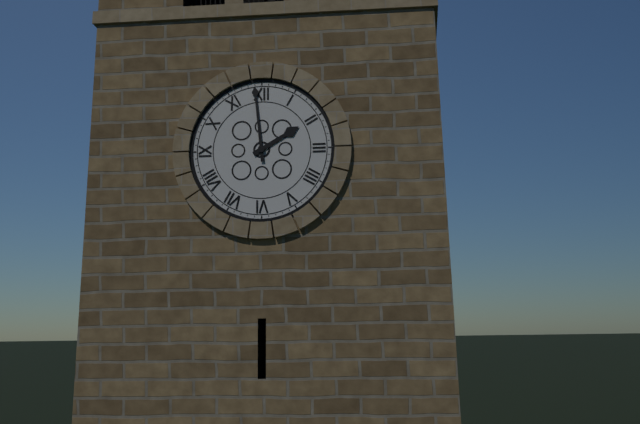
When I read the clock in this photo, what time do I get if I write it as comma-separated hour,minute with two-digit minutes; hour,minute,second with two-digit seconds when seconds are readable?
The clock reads 1,59
